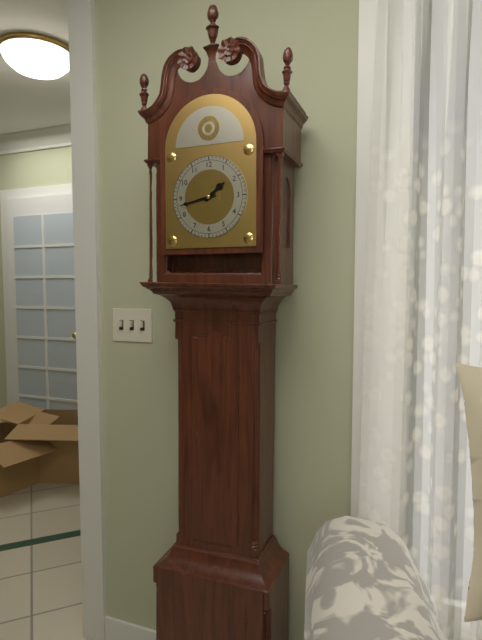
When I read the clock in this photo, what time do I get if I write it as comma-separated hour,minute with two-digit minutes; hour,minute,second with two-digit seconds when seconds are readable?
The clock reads 1,43
